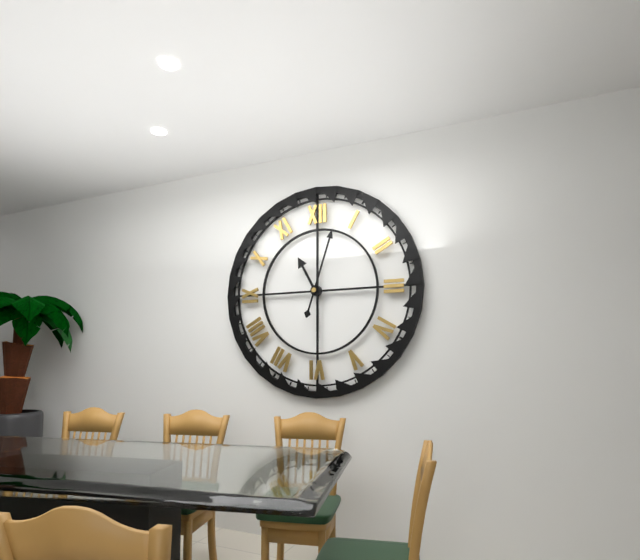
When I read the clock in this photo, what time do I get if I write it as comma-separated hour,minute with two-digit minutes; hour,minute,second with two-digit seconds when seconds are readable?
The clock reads 11,03
